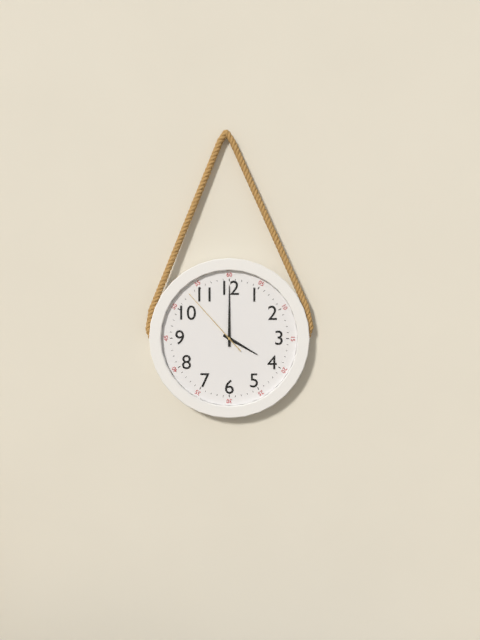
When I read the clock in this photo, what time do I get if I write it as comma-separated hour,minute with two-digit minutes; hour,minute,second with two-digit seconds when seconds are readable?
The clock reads 4,00,53
